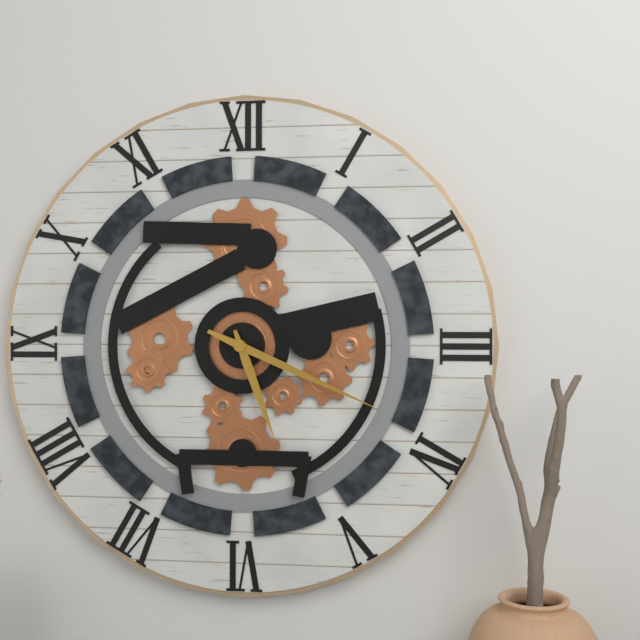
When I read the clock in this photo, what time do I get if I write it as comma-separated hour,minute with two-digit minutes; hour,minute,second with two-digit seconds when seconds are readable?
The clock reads 5,19
